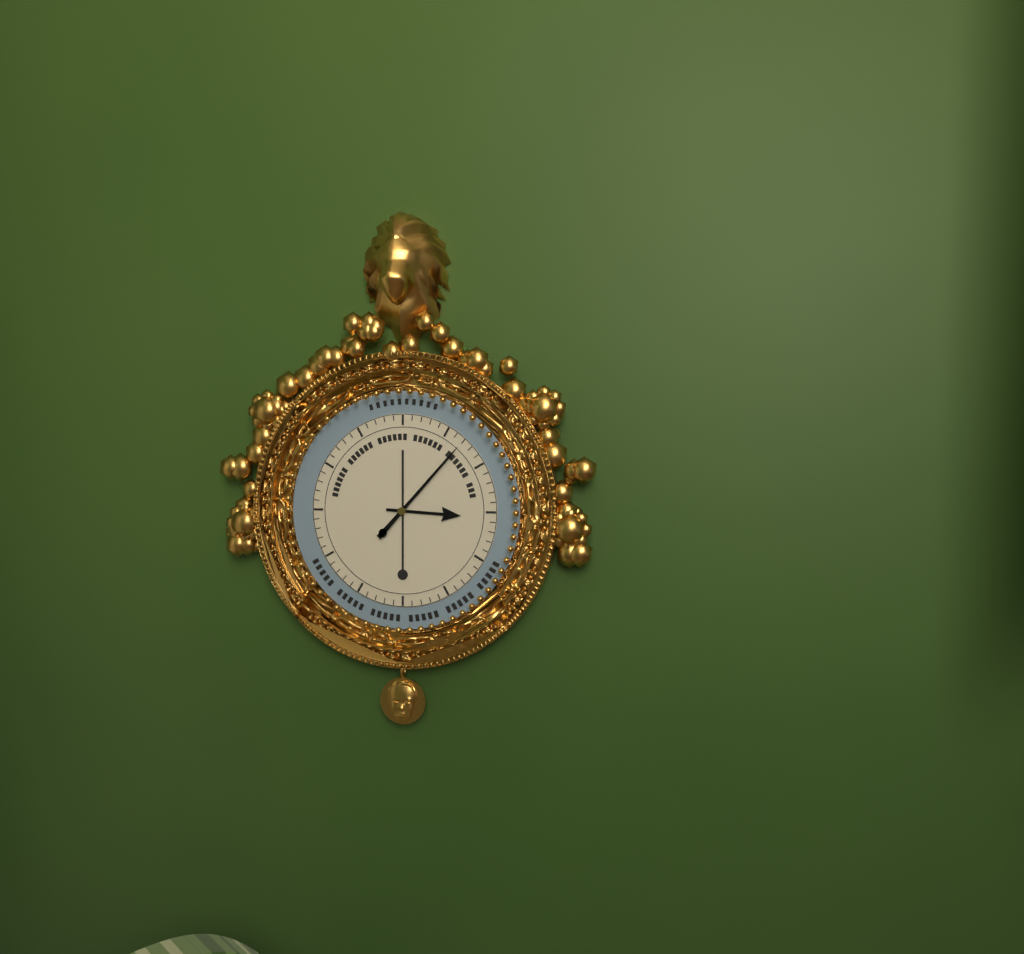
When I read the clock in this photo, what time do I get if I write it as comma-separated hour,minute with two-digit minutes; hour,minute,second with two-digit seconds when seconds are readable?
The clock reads 3,07
